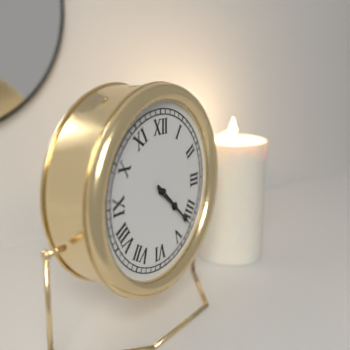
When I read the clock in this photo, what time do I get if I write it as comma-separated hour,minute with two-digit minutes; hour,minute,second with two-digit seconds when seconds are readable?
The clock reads 4,22
